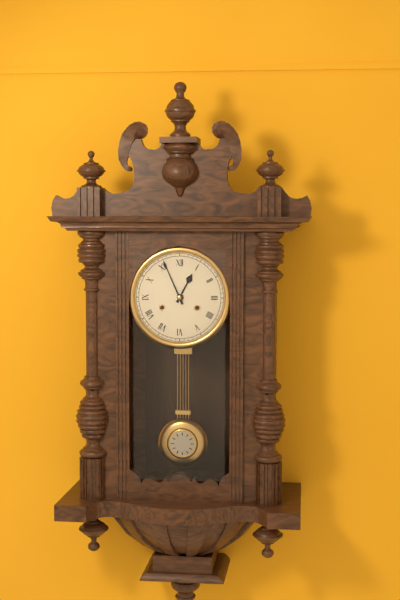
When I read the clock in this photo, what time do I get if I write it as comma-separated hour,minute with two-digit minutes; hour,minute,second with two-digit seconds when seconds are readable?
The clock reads 12,56
